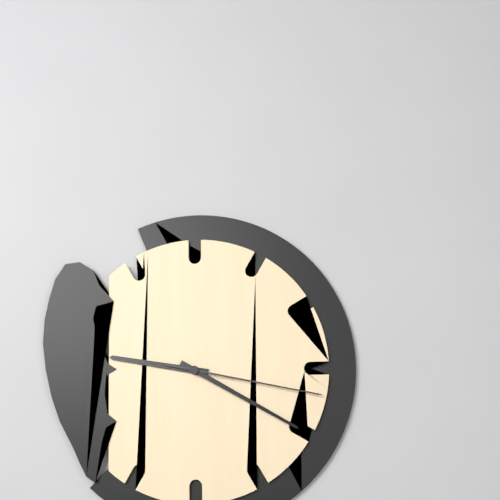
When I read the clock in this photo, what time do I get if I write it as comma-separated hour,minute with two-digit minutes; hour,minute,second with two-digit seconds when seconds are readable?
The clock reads 9,20,17
